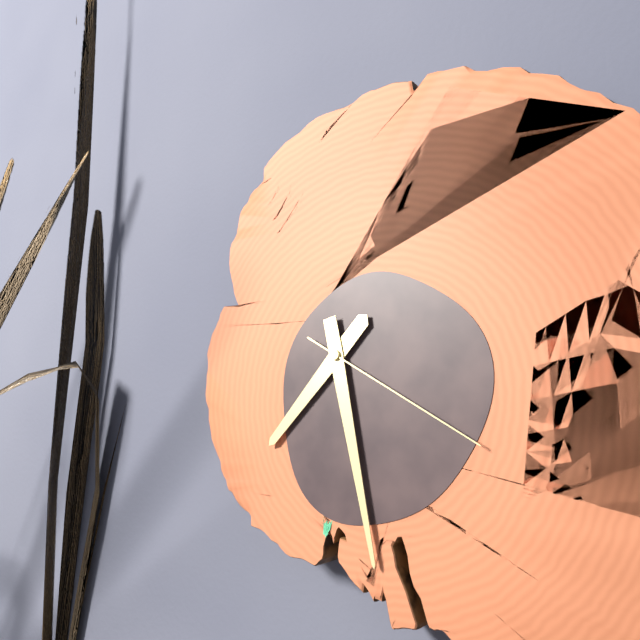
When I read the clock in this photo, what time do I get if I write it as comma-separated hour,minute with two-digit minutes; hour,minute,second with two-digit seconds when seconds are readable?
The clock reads 7,28,20
